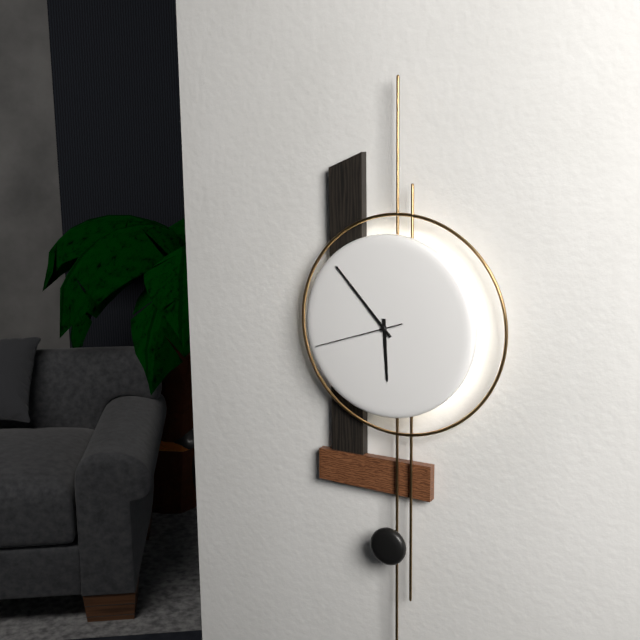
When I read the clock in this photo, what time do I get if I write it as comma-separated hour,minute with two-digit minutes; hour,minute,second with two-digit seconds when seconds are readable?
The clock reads 5,53,42
